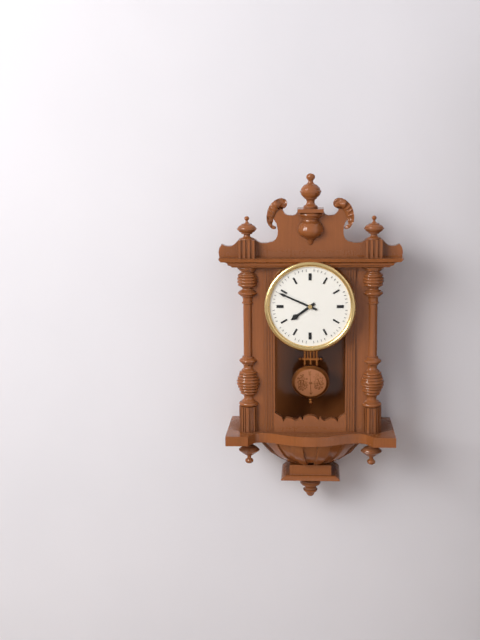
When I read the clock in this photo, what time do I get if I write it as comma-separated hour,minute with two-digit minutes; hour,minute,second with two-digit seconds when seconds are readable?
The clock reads 7,49
